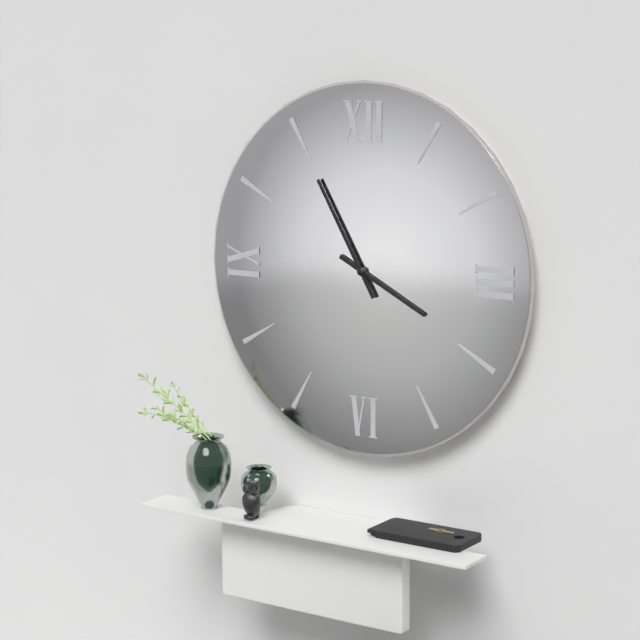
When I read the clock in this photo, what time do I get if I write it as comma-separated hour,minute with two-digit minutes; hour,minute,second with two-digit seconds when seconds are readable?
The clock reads 3,55
